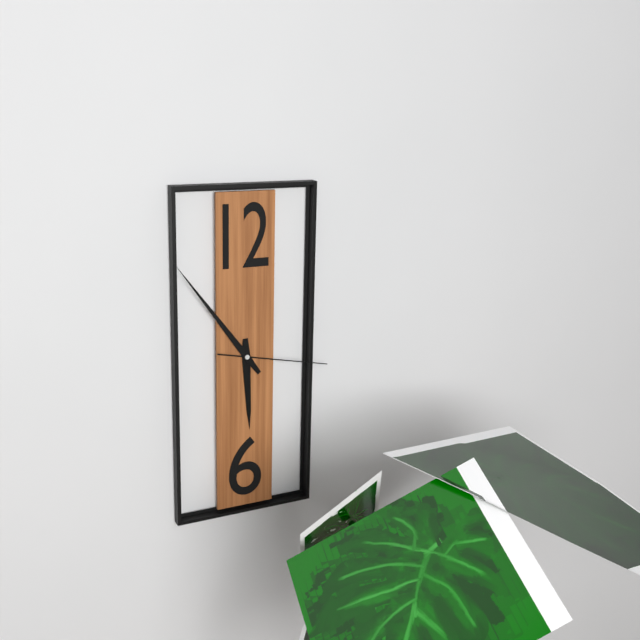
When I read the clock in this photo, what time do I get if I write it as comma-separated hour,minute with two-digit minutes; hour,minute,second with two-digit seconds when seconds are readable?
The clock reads 5,54,17
